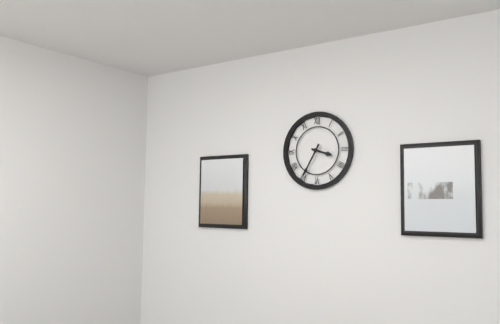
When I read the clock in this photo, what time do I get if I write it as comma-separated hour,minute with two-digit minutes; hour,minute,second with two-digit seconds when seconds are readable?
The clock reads 3,35
